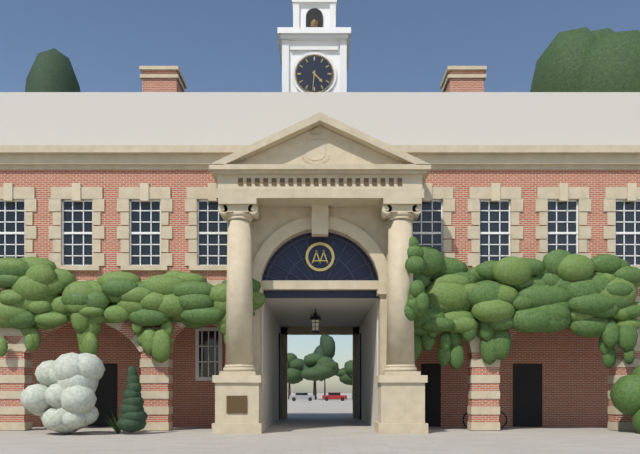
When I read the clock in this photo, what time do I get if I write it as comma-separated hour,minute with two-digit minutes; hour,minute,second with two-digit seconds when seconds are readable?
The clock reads 4,31
